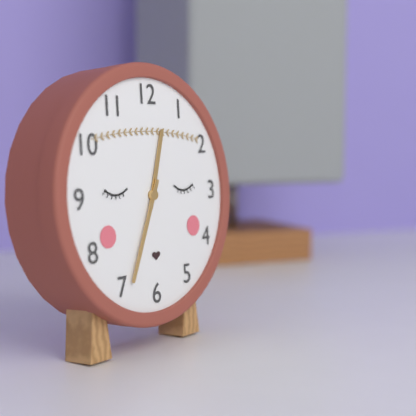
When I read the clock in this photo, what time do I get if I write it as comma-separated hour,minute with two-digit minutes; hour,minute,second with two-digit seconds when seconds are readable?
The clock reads 12,34
